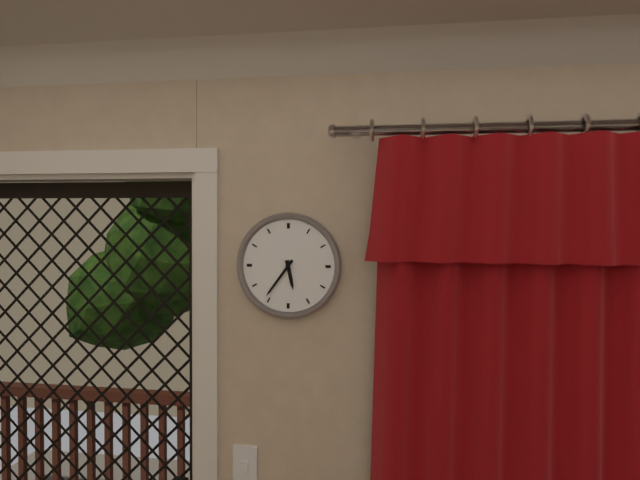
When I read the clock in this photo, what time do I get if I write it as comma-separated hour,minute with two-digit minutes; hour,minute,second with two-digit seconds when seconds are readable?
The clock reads 5,36
